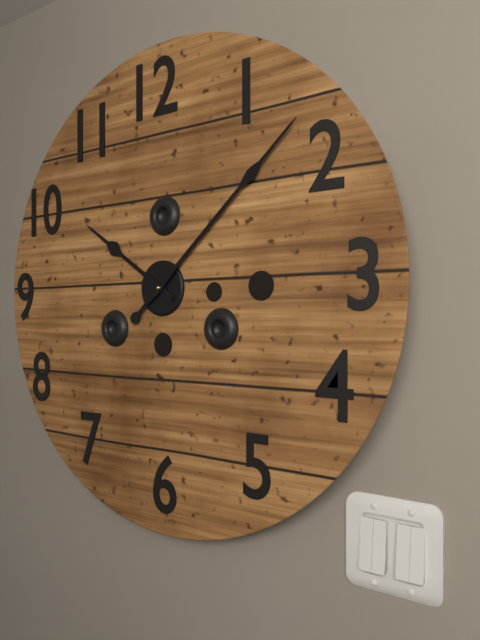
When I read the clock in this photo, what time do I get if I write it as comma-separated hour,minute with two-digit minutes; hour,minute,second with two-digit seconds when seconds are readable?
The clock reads 10,08
